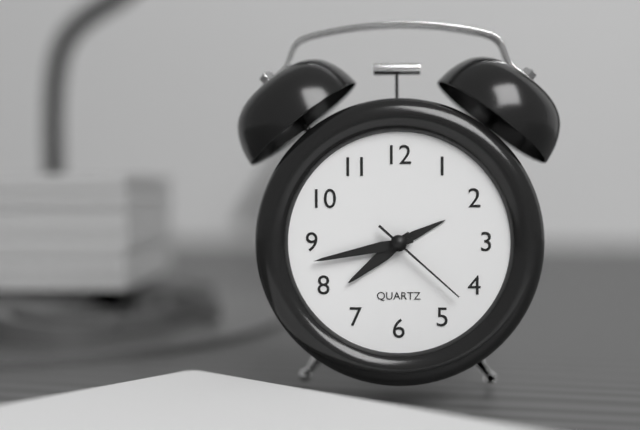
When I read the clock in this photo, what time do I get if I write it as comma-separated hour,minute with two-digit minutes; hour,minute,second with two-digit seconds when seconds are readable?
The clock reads 7,43,22
